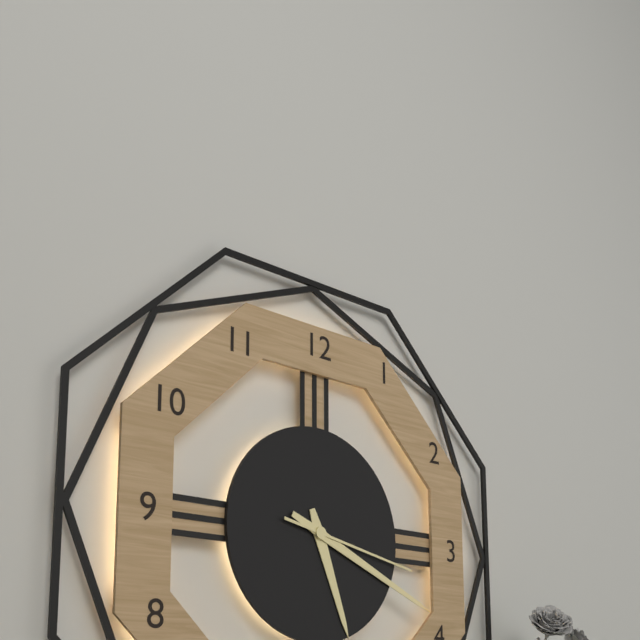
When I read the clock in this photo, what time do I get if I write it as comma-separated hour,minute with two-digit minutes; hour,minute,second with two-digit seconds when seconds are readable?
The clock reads 5,19,17
